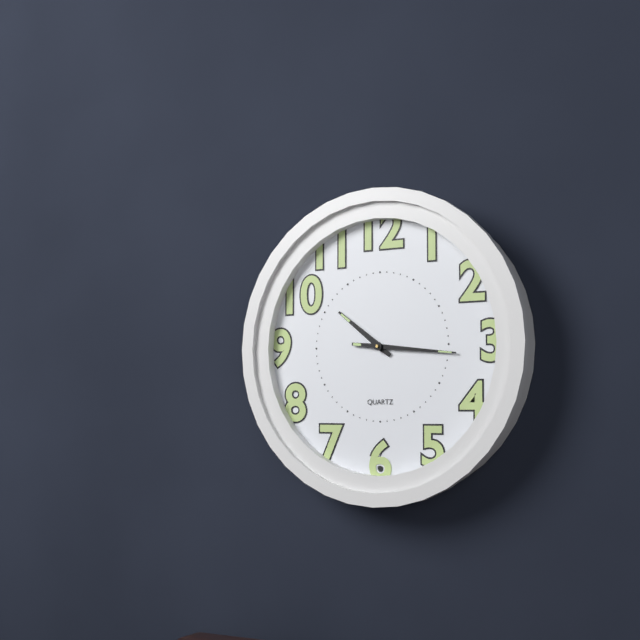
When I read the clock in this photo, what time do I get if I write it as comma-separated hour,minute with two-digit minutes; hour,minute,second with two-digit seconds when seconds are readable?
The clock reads 10,16
